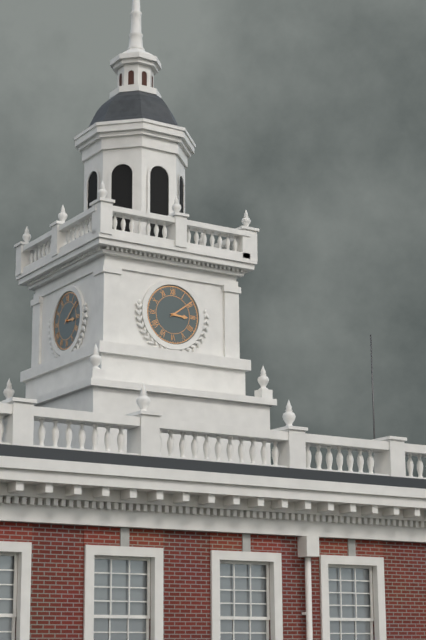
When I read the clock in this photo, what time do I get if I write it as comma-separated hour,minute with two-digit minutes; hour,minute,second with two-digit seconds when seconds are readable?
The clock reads 3,09
